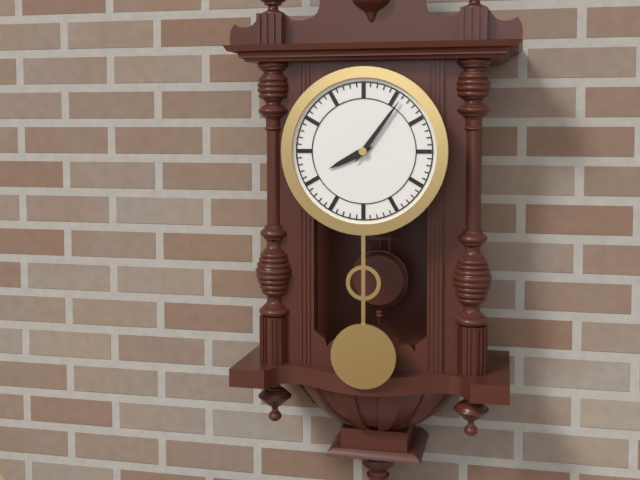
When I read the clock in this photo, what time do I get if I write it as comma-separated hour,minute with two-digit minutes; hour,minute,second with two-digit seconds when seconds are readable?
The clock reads 8,06
